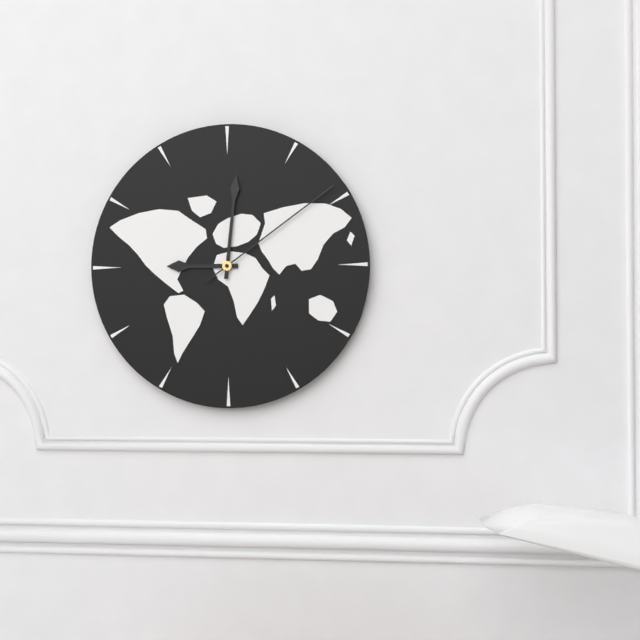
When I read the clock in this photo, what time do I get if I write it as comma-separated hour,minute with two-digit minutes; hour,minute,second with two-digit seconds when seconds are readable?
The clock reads 9,01,09
